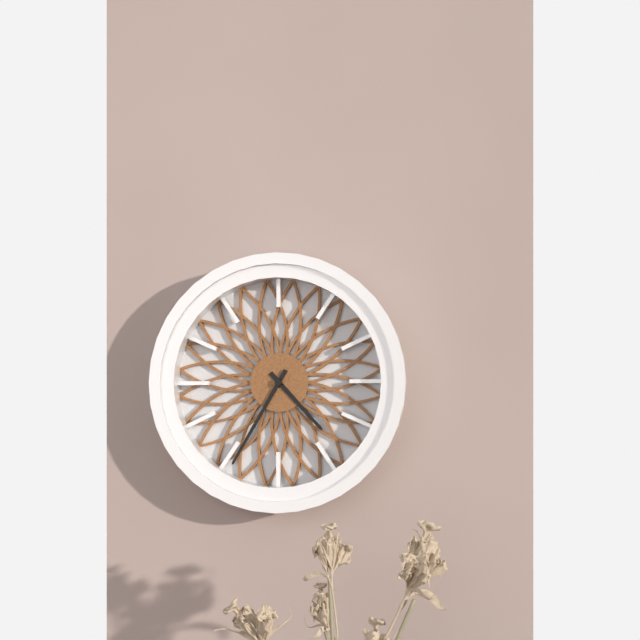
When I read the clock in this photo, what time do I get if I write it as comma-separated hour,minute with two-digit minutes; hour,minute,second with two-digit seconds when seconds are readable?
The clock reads 4,35
